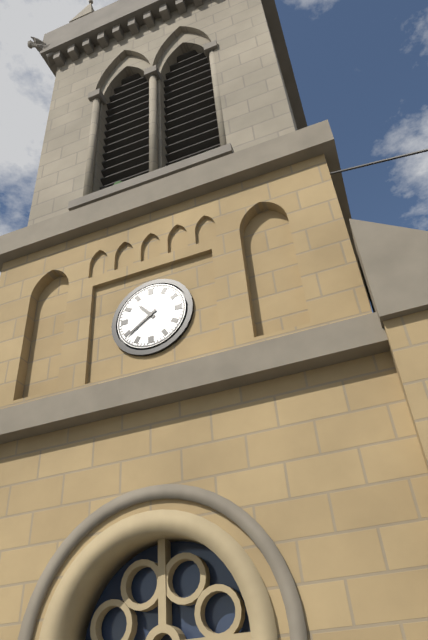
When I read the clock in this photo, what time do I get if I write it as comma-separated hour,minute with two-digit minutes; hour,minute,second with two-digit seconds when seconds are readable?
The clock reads 10,39
